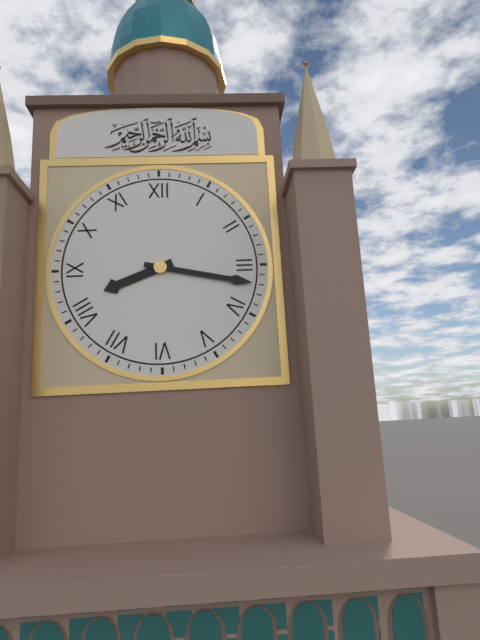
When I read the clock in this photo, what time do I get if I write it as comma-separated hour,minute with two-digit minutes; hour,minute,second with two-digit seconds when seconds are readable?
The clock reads 8,17
